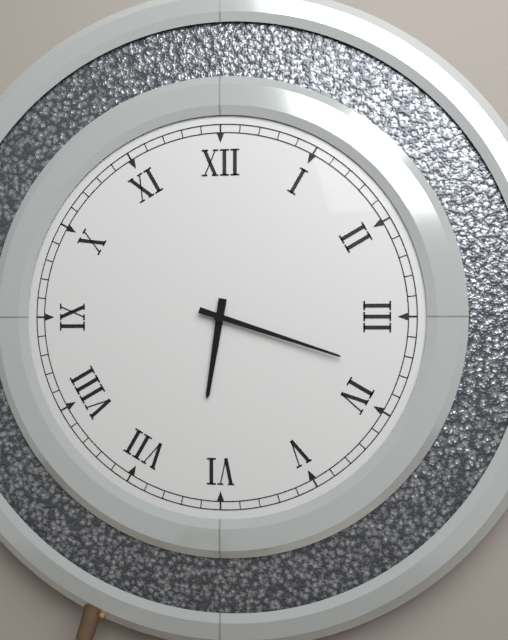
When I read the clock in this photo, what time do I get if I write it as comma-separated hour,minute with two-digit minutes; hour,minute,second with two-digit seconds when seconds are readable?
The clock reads 6,18
